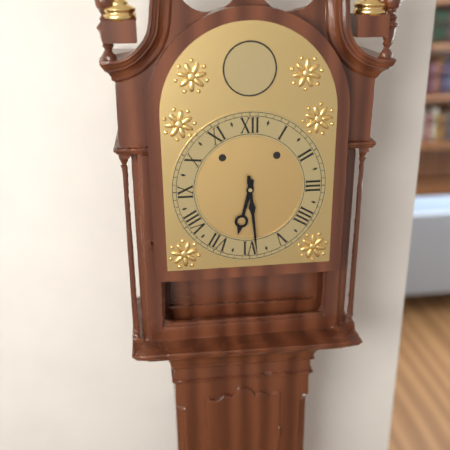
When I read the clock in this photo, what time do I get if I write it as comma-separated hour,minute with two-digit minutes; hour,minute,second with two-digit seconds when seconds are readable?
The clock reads 6,29
